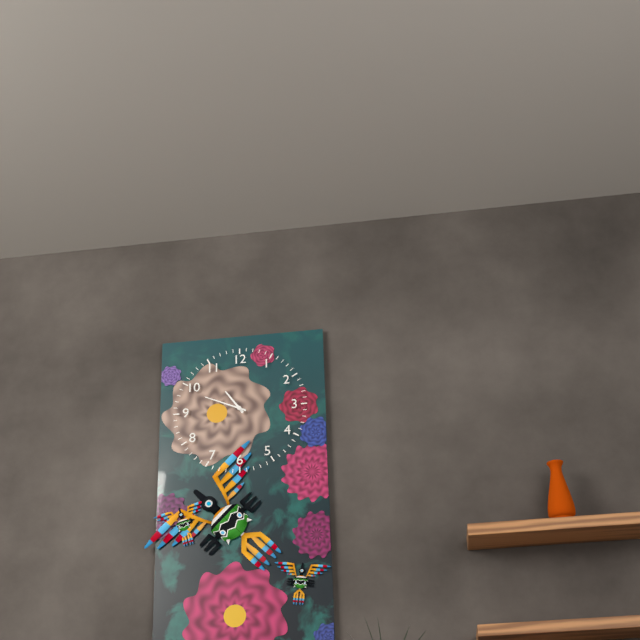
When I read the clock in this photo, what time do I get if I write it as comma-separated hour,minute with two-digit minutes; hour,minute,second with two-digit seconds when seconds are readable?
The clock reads 10,49
